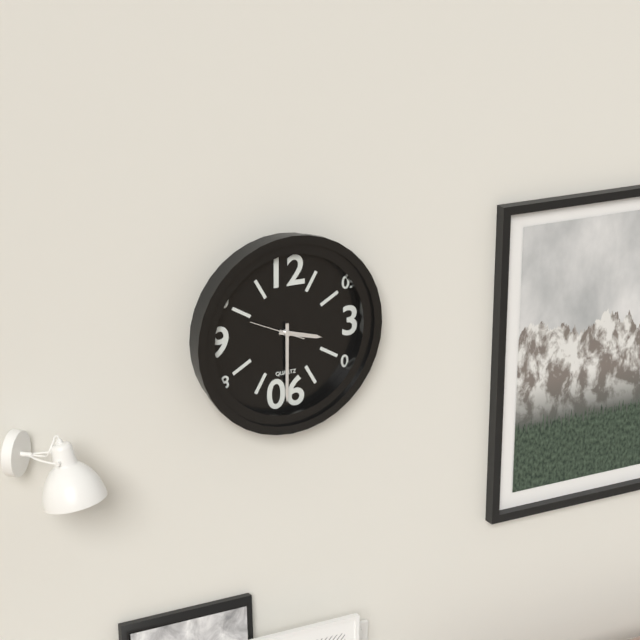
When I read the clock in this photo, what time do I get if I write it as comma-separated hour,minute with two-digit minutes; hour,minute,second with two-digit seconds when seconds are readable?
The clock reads 3,30
